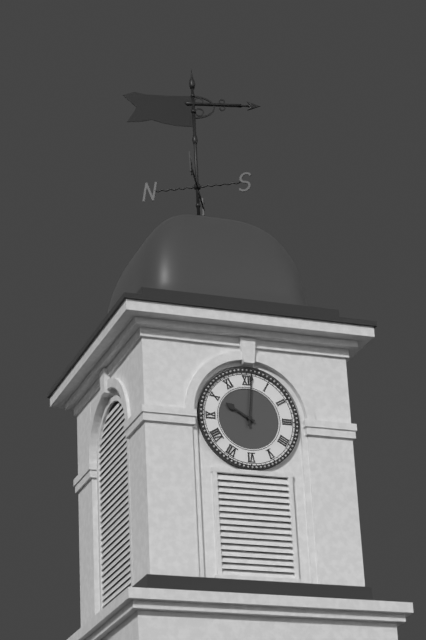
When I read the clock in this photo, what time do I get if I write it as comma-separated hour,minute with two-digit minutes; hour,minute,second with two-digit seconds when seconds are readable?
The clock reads 10,01
